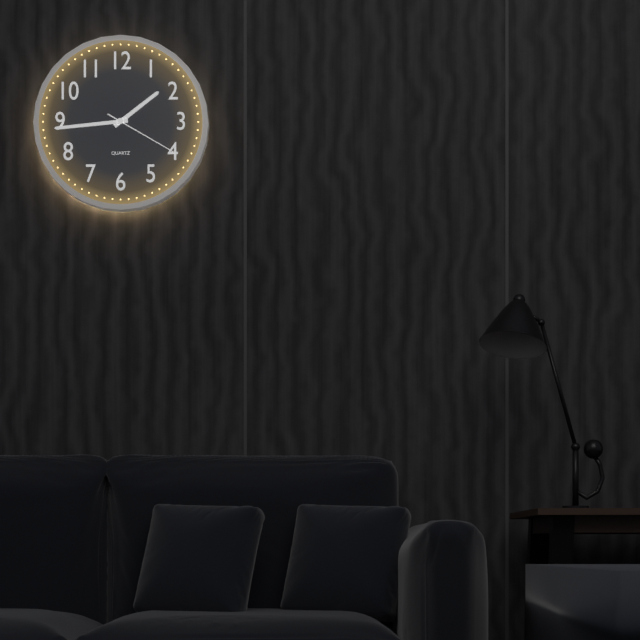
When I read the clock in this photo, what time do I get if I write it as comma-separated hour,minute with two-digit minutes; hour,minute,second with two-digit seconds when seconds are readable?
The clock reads 1,44,20
